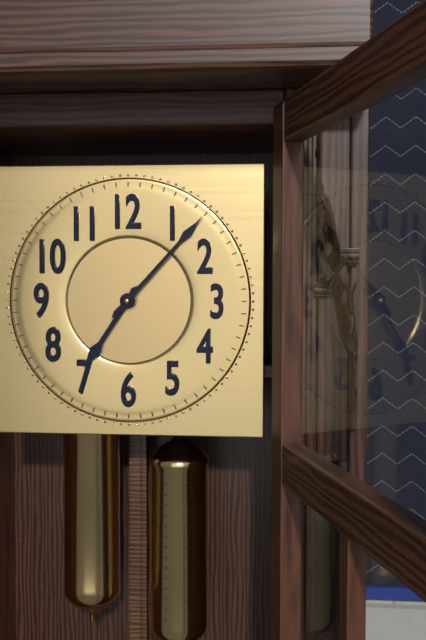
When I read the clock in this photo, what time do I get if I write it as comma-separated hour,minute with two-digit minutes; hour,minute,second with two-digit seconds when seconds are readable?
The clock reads 7,07
